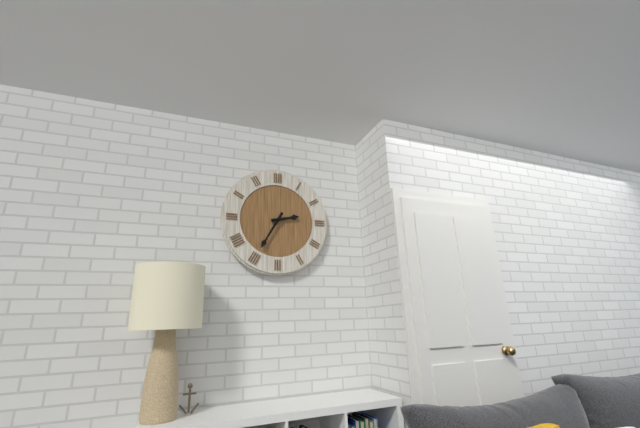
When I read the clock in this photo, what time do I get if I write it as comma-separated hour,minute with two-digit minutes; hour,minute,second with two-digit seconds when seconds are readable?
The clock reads 2,35
